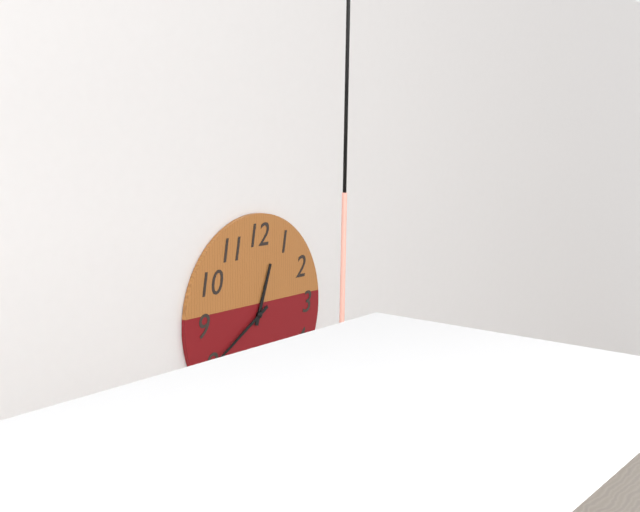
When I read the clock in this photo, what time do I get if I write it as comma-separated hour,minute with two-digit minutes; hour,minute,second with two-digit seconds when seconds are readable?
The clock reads 12,40
